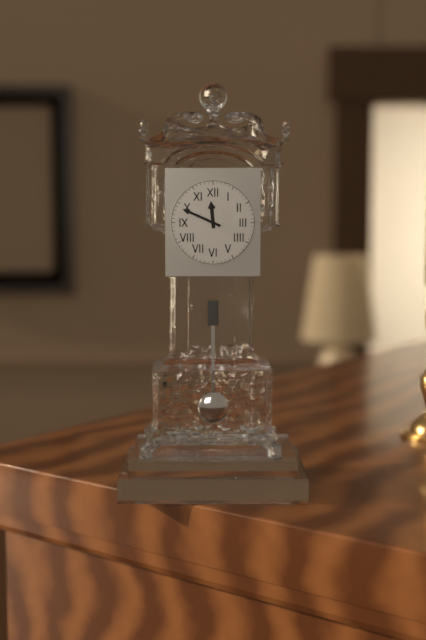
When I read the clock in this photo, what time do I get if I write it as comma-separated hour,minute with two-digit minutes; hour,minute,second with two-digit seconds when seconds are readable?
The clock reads 11,49
